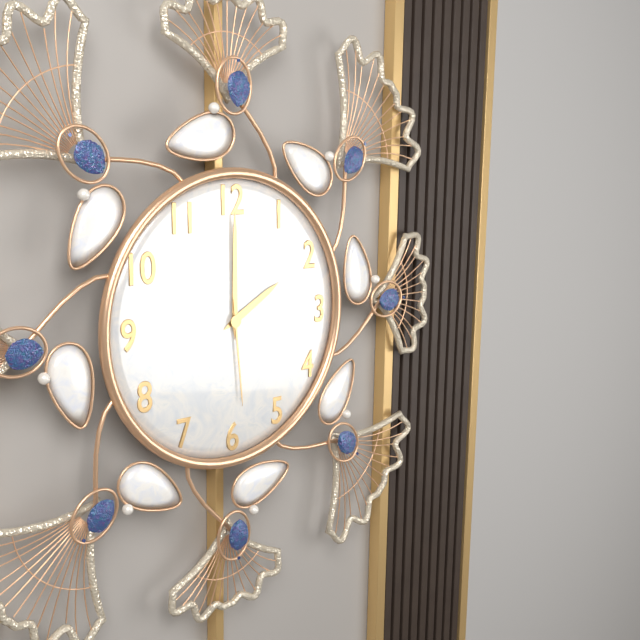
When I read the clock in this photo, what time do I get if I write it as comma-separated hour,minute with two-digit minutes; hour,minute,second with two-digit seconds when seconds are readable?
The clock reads 2,00,29
